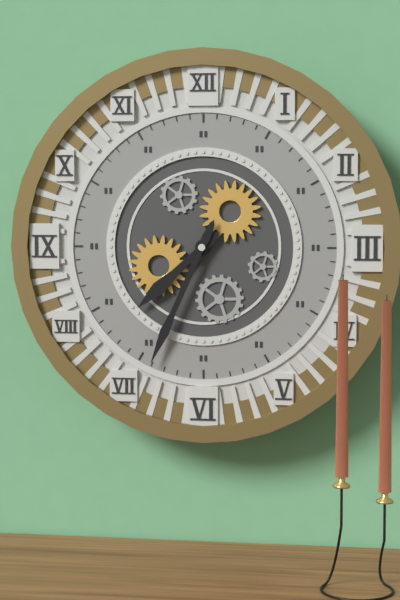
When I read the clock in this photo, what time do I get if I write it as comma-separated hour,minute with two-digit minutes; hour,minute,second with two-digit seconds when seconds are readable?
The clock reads 7,34
